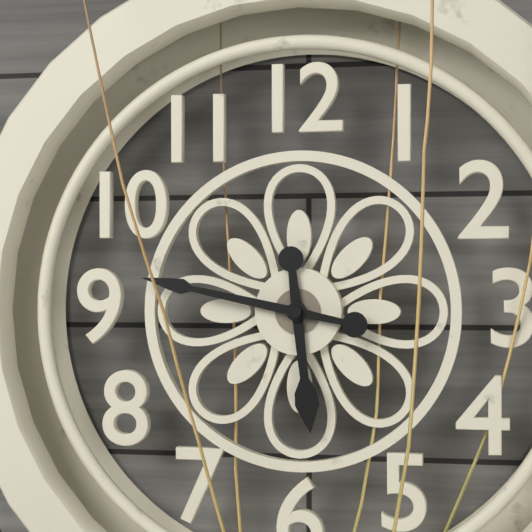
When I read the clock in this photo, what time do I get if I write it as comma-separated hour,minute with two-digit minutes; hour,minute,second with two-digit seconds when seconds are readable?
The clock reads 5,47
